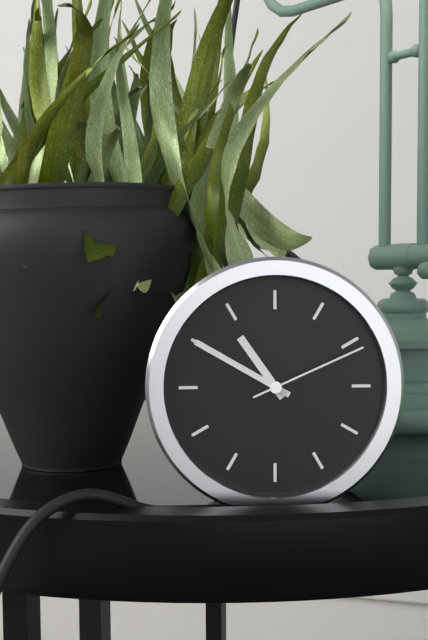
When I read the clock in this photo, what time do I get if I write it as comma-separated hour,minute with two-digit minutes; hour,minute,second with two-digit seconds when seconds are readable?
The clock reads 10,50,11
